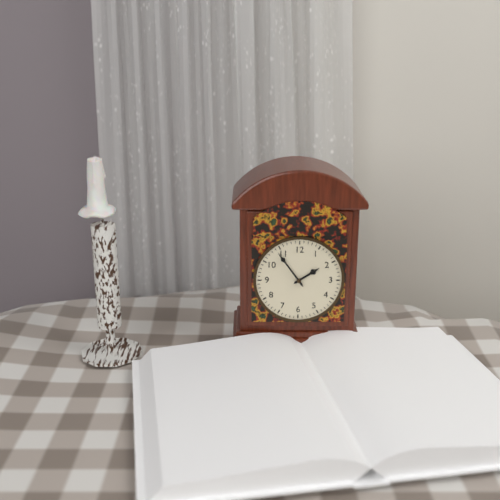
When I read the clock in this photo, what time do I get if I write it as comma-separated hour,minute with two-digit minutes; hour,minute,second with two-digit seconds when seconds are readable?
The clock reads 1,54
